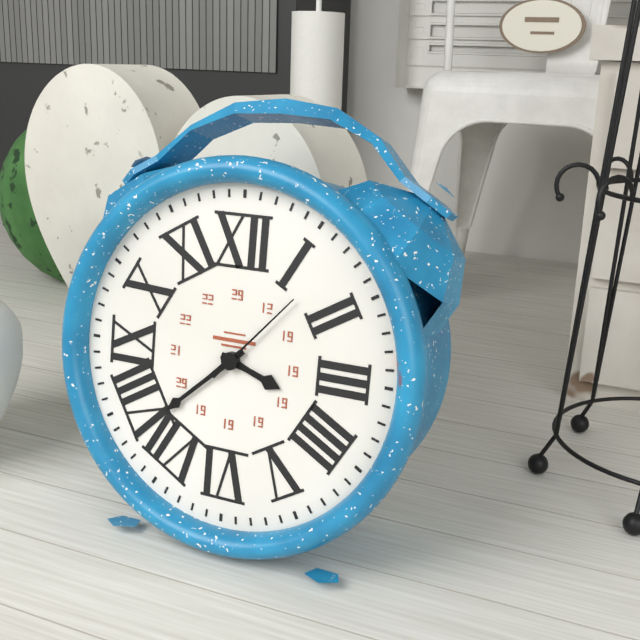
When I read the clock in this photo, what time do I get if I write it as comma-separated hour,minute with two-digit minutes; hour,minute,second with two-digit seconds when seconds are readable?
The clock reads 3,38,07
